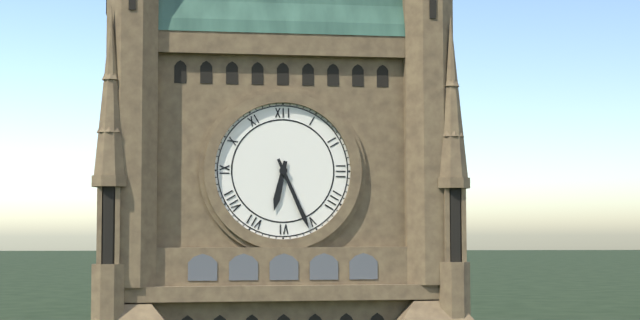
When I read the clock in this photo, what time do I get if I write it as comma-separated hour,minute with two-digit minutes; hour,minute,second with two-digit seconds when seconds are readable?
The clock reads 6,26
